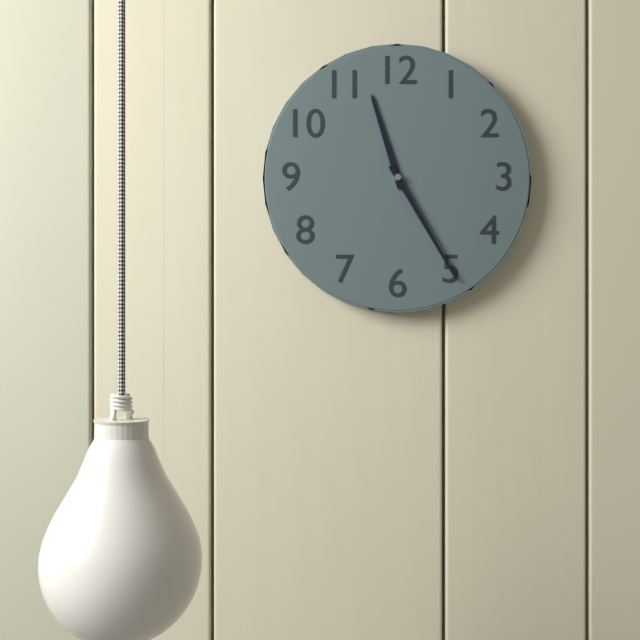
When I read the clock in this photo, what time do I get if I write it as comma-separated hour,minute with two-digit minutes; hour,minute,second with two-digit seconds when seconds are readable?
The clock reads 11,25
